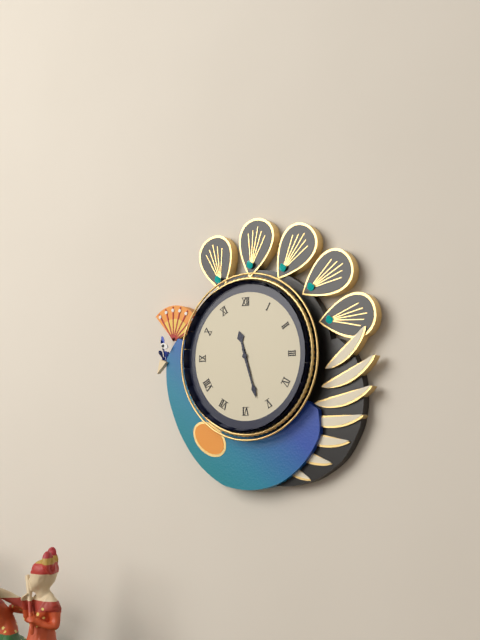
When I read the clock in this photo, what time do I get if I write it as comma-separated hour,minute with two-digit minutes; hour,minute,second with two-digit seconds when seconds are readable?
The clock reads 11,27
